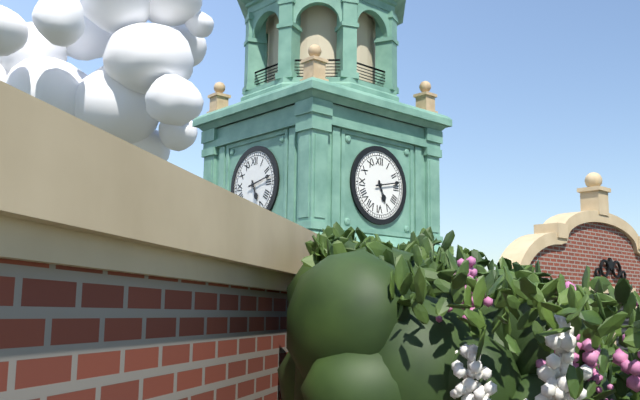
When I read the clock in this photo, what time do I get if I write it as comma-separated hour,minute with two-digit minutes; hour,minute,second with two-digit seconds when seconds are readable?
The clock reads 5,13
